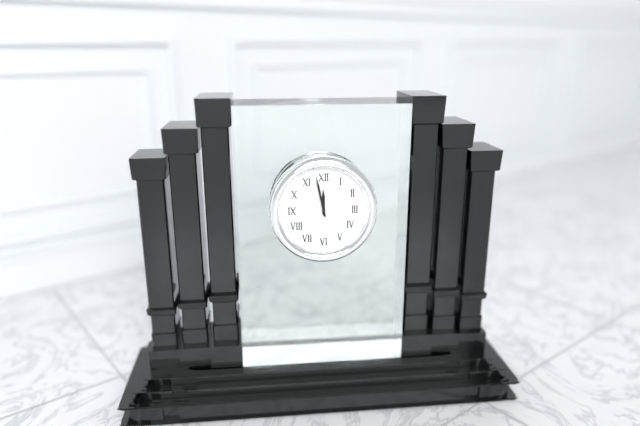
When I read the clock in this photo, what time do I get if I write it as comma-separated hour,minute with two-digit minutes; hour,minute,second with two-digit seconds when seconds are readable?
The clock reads 11,58
